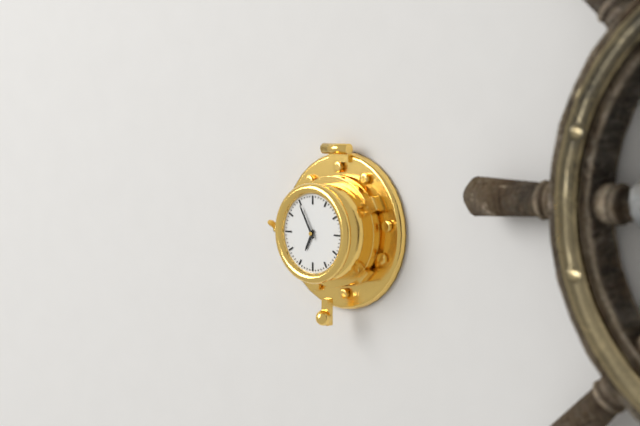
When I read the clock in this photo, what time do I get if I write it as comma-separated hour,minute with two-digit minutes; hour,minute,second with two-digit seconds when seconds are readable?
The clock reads 6,55
